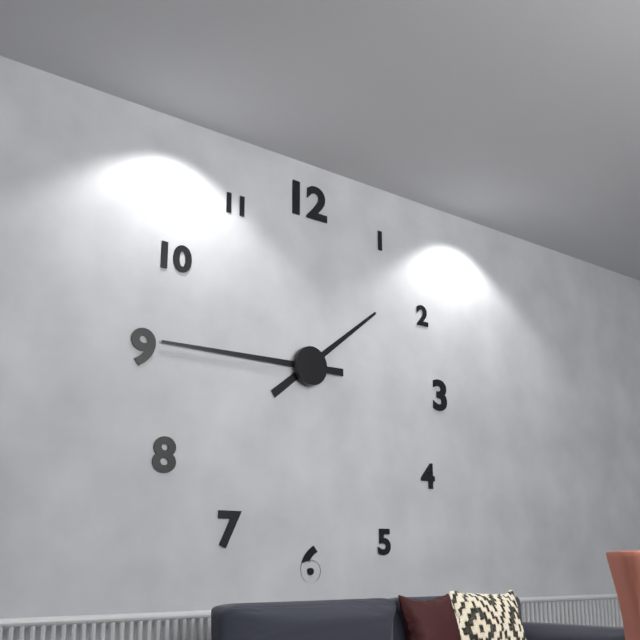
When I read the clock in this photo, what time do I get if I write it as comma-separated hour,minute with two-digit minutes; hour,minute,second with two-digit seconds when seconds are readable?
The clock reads 1,45
